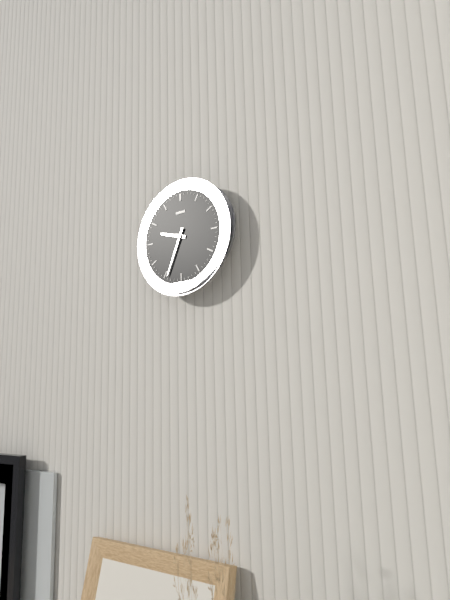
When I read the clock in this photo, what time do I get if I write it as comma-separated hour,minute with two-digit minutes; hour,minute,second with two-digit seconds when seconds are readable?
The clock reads 9,34
